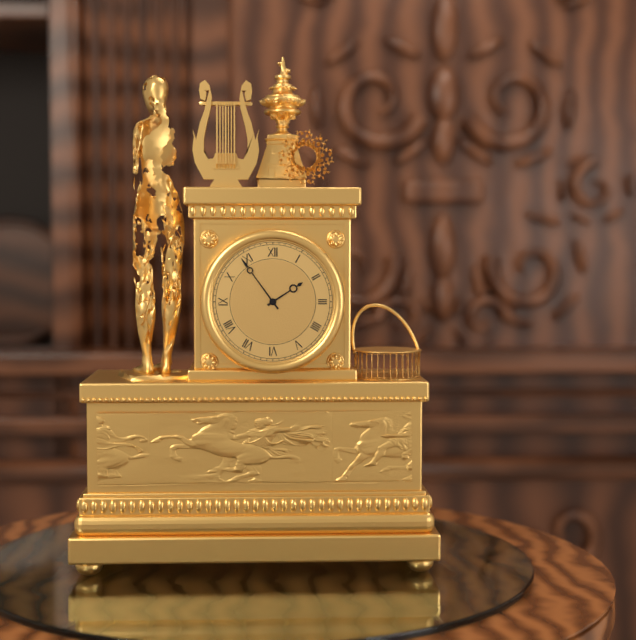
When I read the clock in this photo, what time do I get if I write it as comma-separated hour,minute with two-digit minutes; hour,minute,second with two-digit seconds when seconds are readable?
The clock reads 1,54
